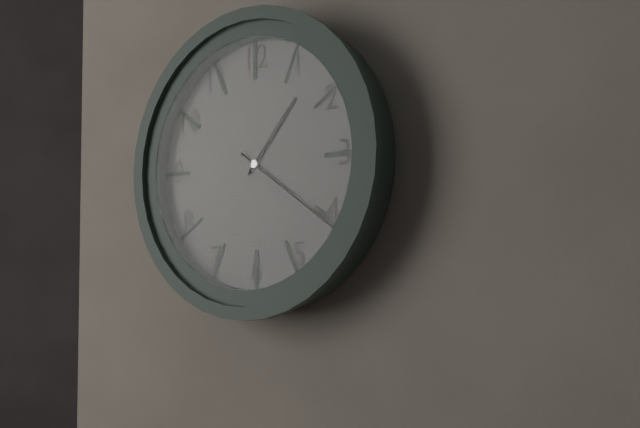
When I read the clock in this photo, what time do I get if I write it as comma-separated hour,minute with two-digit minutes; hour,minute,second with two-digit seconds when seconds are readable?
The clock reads 1,21
